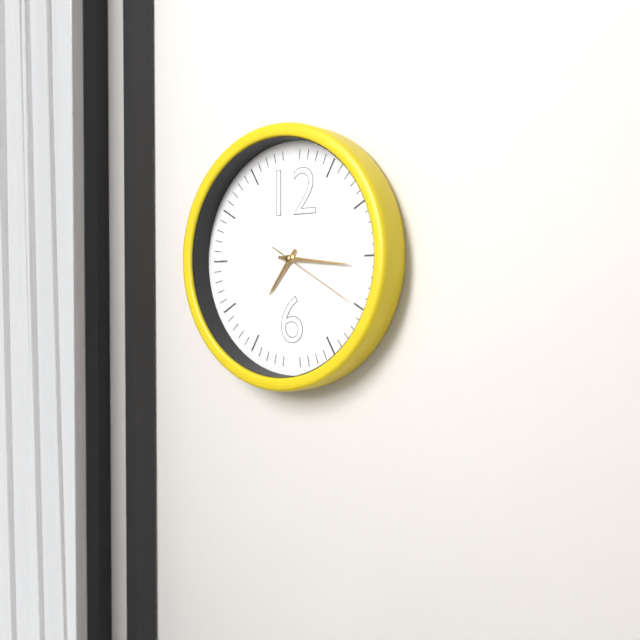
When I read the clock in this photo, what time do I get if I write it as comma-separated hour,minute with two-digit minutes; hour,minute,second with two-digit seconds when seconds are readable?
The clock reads 7,16,20
